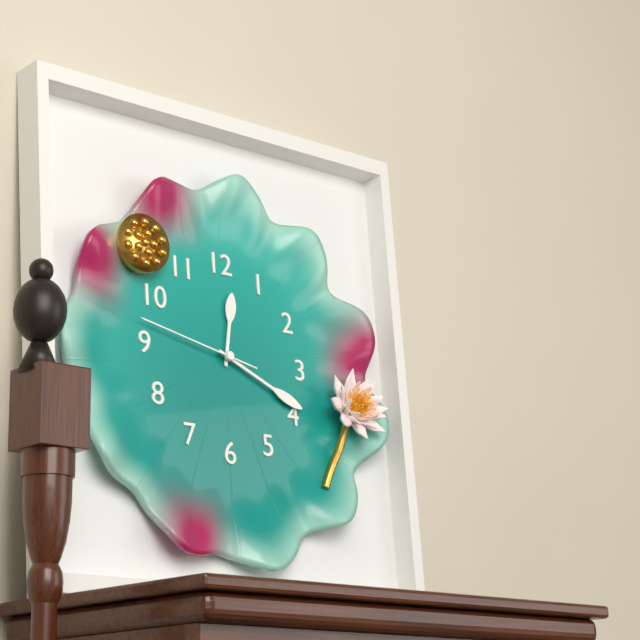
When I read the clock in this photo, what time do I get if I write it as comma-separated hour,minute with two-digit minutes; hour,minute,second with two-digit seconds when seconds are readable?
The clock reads 12,19,47
